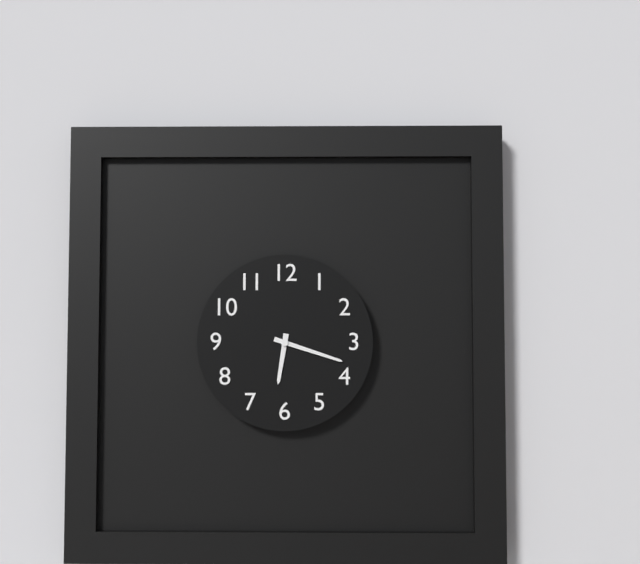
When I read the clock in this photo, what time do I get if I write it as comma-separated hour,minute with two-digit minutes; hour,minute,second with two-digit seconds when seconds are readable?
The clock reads 6,18
